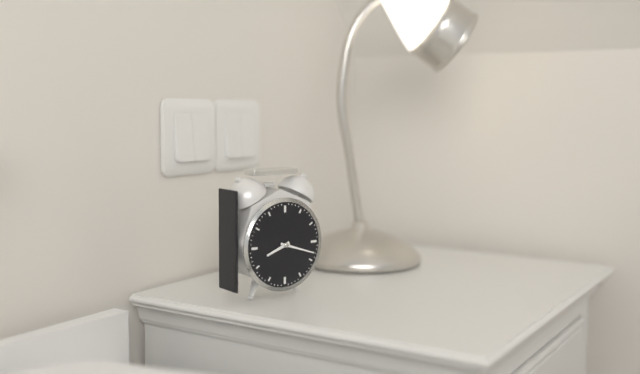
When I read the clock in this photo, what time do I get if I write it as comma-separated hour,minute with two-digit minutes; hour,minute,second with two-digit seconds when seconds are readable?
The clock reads 8,18
